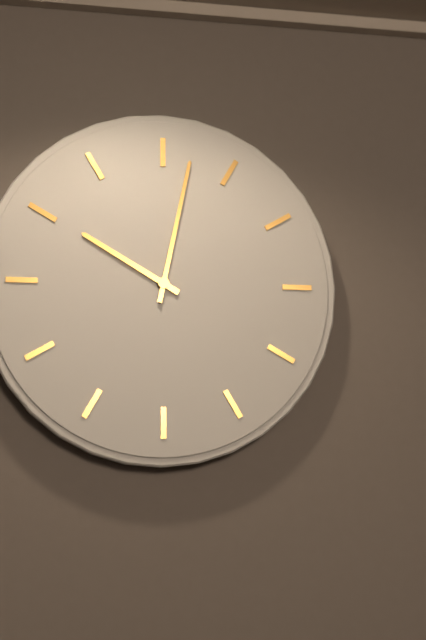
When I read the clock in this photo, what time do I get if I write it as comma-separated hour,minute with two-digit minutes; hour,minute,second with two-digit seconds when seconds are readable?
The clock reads 10,02
